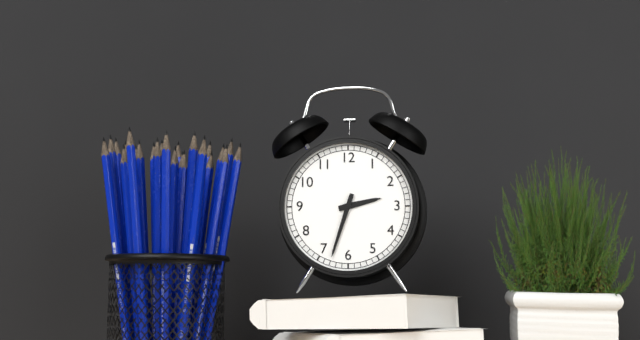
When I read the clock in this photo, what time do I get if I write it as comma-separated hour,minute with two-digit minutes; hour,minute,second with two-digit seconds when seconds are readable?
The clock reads 2,33
